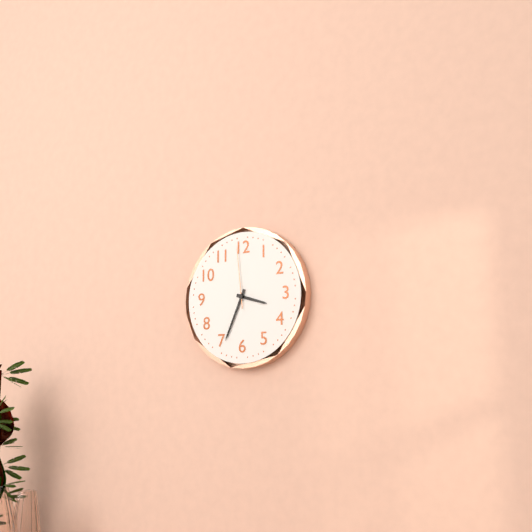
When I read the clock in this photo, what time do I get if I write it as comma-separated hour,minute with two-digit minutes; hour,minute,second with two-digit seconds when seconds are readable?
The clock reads 3,34,59
